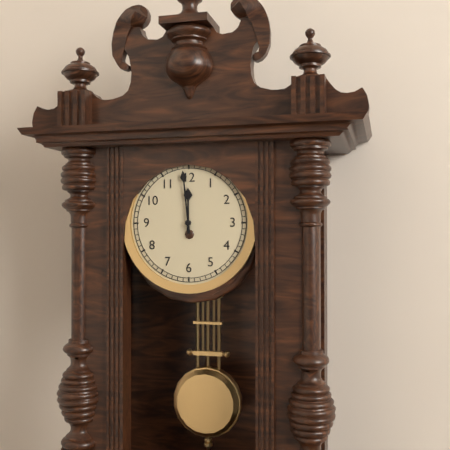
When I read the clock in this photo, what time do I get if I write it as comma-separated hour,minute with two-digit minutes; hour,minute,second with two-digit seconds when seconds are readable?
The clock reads 11,59
